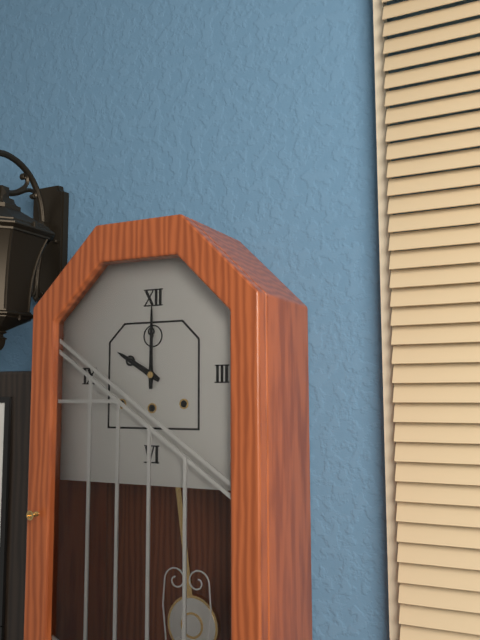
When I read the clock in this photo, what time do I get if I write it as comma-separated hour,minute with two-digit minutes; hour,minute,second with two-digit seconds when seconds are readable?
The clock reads 10,00
